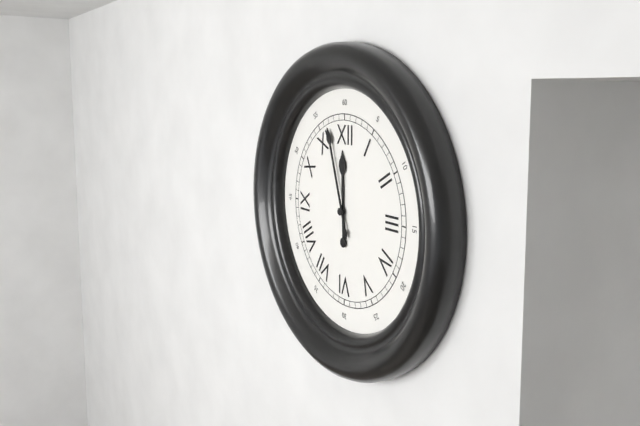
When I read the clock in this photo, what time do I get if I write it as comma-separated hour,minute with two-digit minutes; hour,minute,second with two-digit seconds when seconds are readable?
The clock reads 11,57
